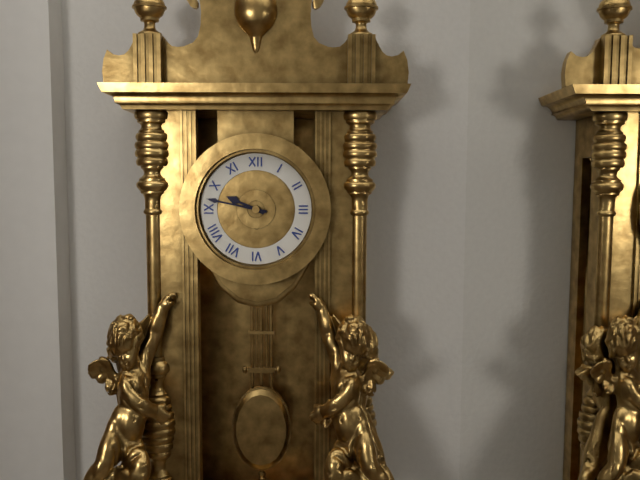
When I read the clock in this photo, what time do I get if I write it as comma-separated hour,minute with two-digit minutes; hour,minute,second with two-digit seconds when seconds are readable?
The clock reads 9,47
